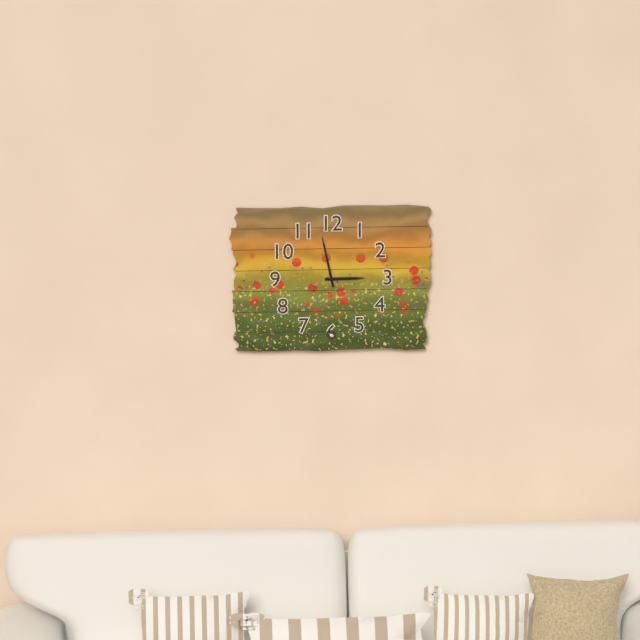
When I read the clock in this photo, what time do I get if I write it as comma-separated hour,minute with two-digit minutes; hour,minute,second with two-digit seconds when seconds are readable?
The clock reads 2,58
